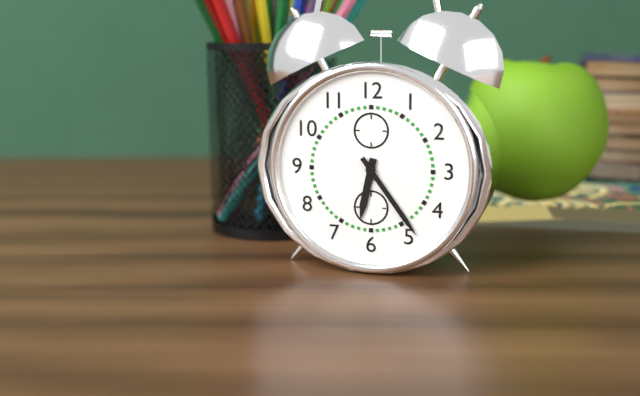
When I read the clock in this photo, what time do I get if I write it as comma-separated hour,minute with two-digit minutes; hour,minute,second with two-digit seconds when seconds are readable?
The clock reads 6,24
